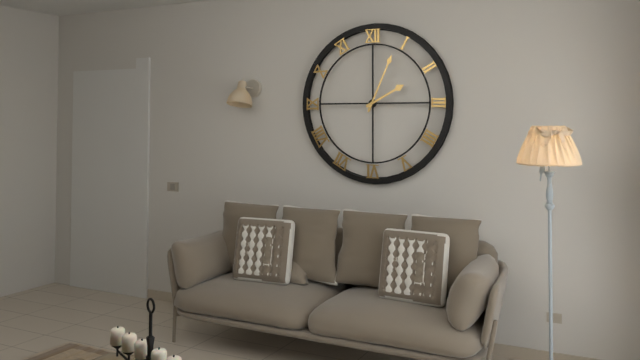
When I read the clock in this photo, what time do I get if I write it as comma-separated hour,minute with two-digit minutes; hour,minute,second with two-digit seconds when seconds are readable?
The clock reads 2,04
